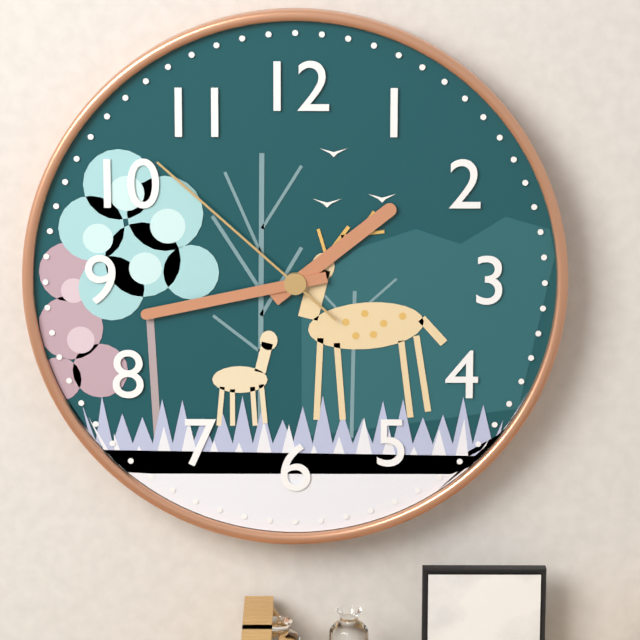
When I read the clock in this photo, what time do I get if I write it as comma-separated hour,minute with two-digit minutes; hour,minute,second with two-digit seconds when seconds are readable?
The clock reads 1,43,52
